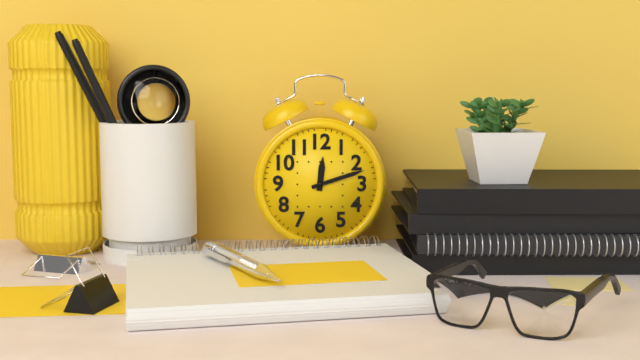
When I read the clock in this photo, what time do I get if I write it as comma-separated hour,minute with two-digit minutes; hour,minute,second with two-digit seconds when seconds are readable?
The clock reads 12,12
